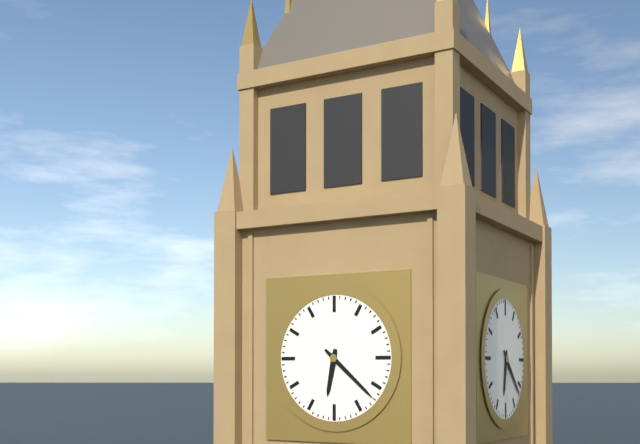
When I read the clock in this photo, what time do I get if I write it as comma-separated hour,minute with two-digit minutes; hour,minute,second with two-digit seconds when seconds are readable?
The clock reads 6,22
